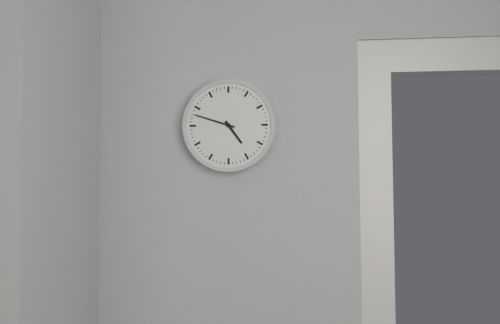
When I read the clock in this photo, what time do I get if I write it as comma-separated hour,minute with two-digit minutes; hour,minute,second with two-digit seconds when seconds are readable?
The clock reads 4,48
